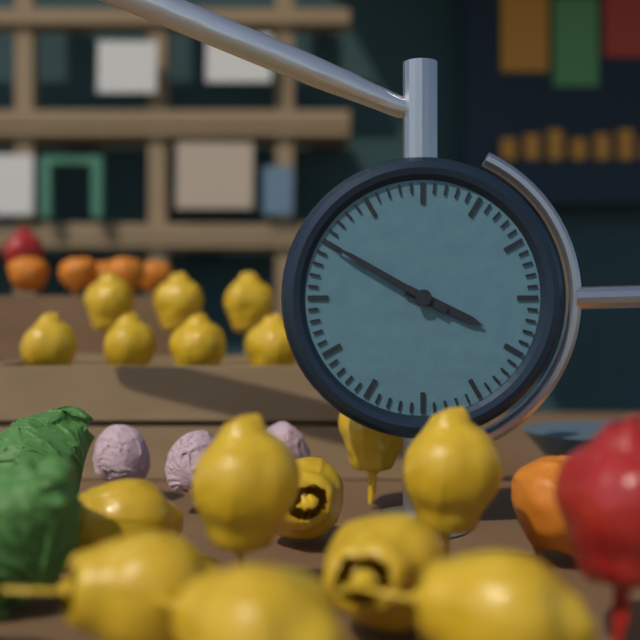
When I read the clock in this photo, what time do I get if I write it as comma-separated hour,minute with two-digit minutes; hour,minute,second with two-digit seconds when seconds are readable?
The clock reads 3,50
